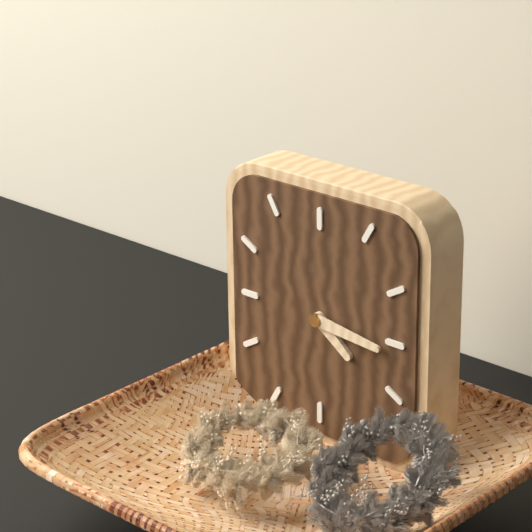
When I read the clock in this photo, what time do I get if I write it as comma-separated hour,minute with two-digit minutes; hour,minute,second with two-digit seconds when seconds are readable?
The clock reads 4,16
